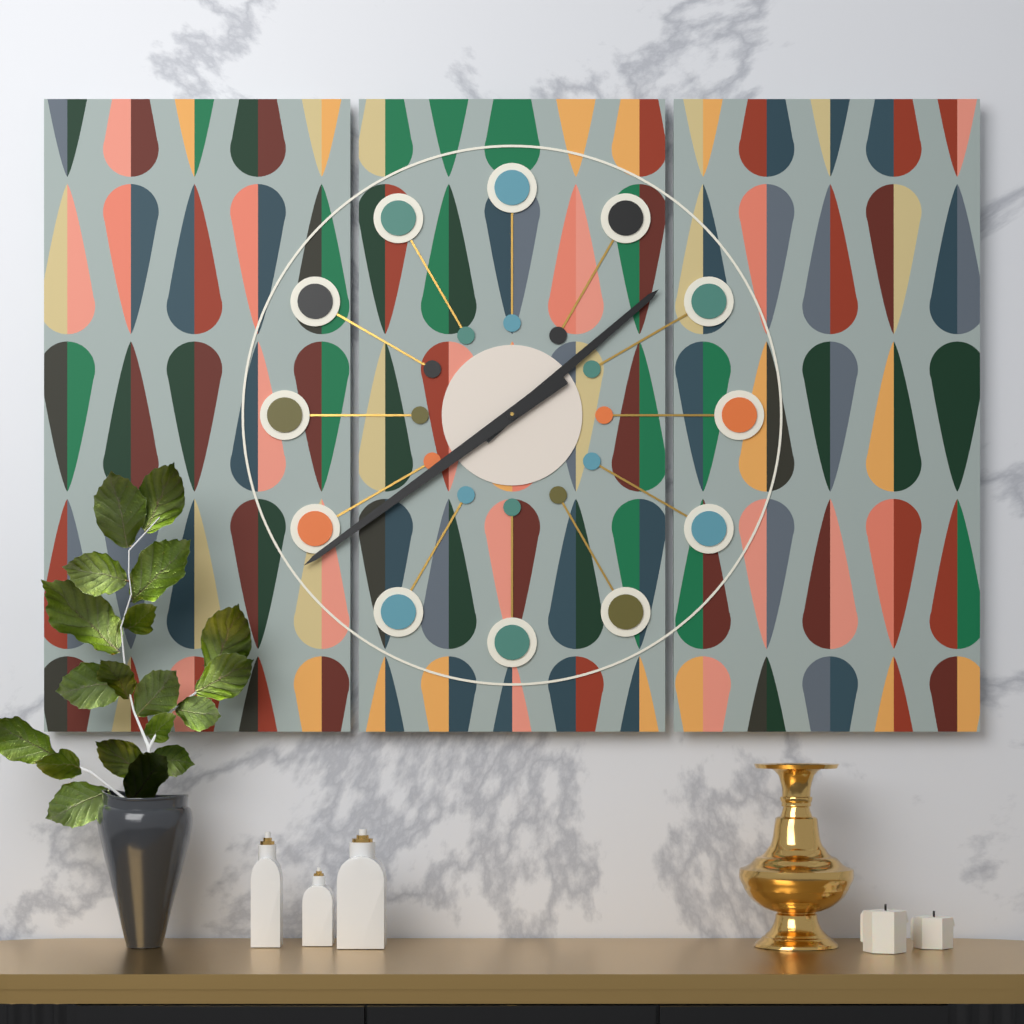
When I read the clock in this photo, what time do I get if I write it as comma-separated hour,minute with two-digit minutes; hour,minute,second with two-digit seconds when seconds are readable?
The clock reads 1,39
